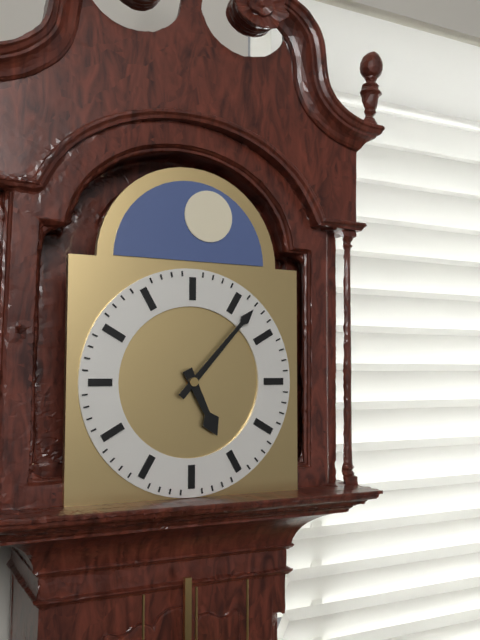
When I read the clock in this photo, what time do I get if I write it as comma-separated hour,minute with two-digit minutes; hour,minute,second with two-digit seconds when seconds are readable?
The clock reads 5,07
